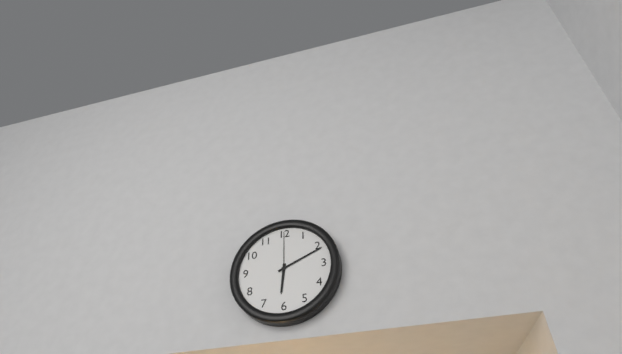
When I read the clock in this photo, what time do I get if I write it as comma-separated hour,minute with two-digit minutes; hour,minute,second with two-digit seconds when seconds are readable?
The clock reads 6,11
